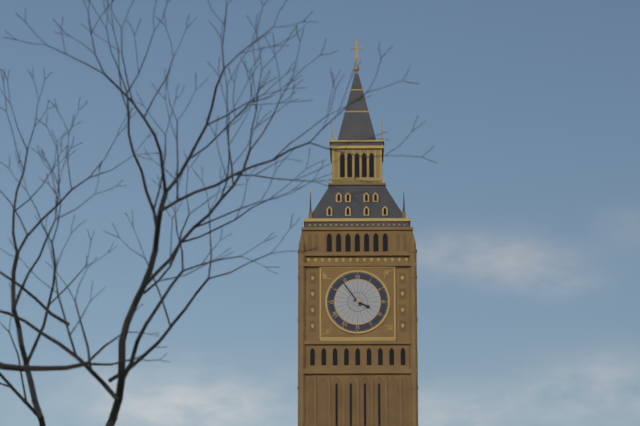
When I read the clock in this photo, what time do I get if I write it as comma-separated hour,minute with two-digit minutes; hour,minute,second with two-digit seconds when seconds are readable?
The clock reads 3,54
